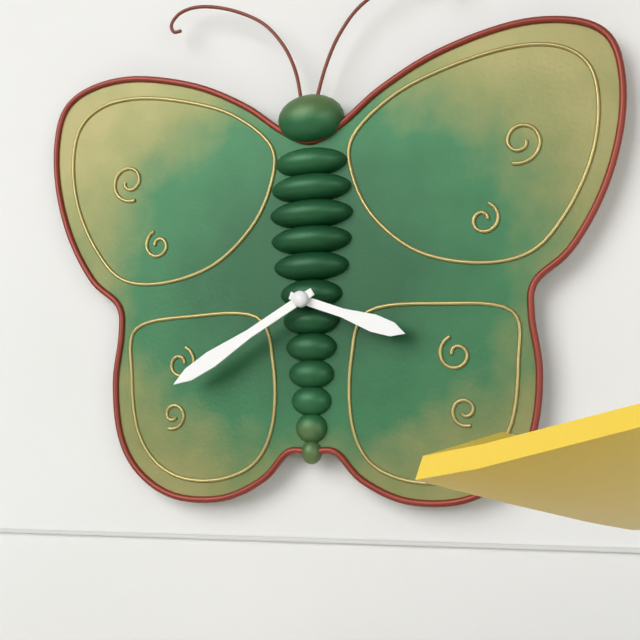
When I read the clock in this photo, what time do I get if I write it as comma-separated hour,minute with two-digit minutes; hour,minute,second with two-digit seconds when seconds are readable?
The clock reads 3,40
